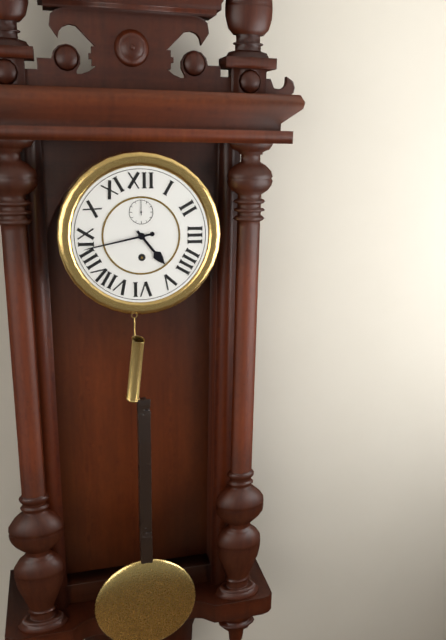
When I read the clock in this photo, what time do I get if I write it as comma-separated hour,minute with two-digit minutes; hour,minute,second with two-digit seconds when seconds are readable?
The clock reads 4,43
